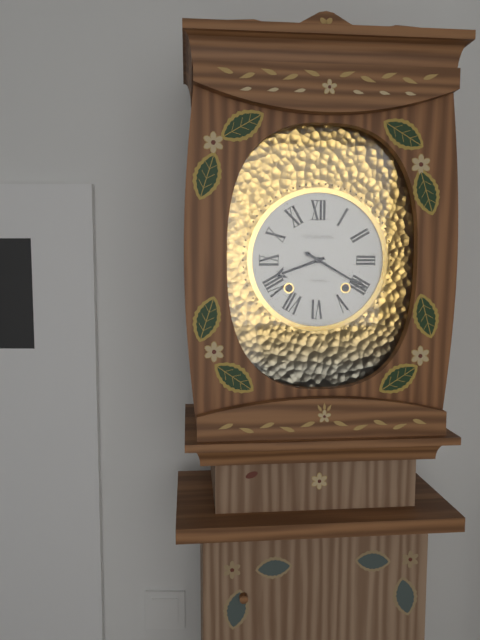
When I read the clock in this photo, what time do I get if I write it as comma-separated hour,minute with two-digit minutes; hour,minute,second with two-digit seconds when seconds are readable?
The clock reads 8,20
